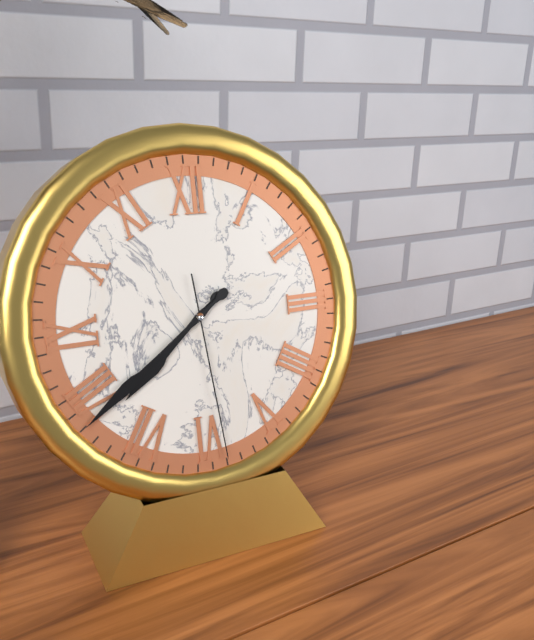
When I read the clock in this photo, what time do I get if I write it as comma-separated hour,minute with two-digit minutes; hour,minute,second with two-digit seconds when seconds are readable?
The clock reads 7,39,29
